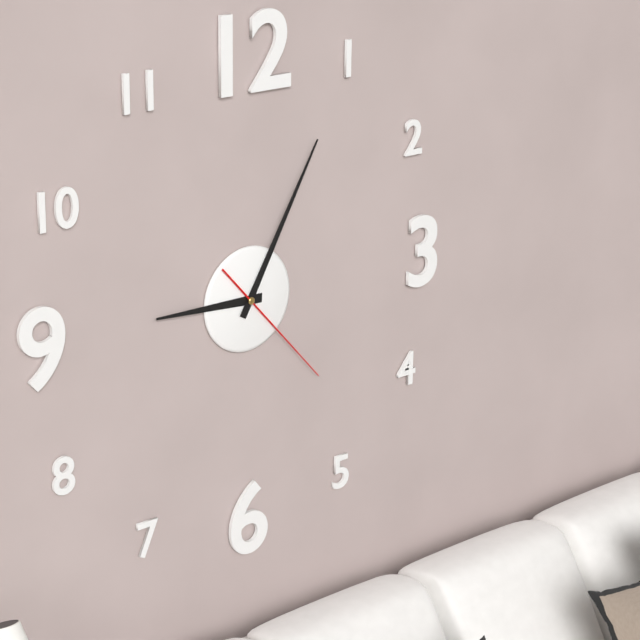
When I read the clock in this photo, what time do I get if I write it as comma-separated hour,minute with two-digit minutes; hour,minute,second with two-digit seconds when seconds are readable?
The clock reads 9,05,23
